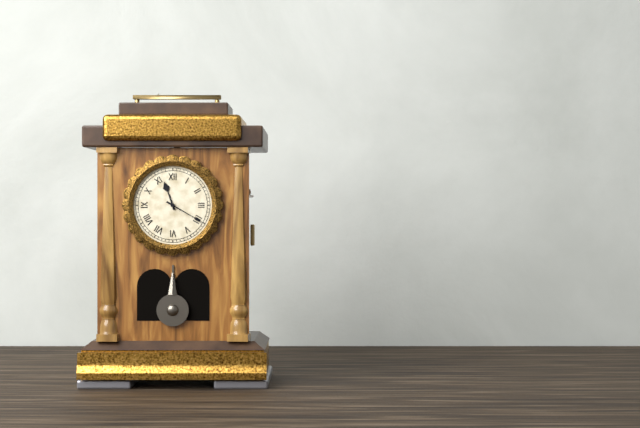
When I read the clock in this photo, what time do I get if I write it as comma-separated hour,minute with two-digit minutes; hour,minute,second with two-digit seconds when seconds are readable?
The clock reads 11,20
